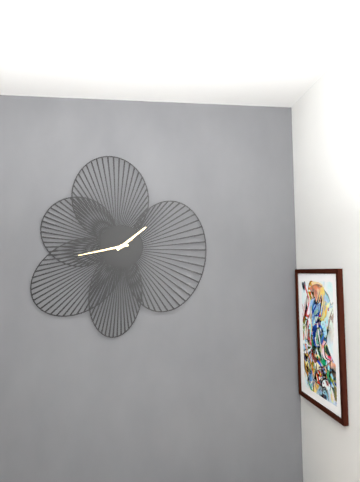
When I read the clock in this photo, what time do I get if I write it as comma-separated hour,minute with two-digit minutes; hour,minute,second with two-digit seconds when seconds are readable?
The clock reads 1,43
